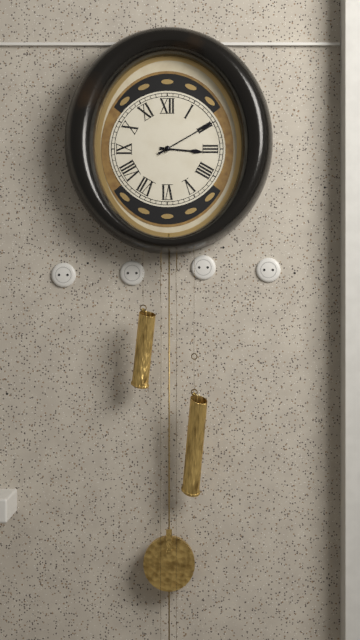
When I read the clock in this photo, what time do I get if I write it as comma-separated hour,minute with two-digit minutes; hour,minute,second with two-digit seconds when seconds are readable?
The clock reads 3,10
